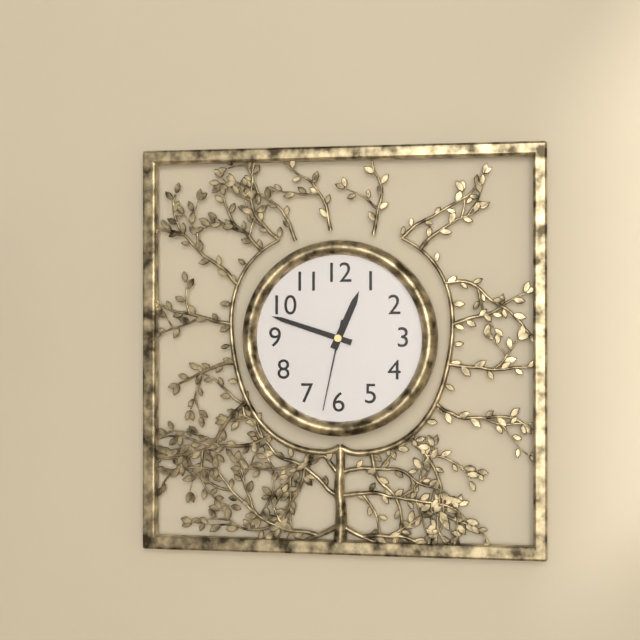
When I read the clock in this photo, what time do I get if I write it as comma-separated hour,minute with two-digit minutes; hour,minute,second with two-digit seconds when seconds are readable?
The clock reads 12,48,32
